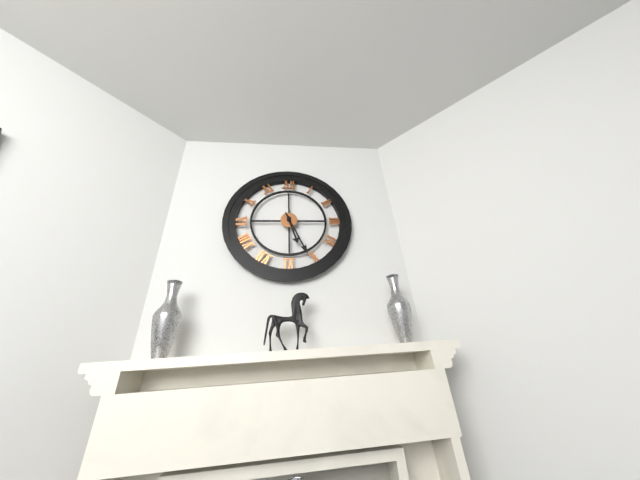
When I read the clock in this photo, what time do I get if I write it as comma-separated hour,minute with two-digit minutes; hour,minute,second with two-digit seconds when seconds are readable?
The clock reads 5,26
